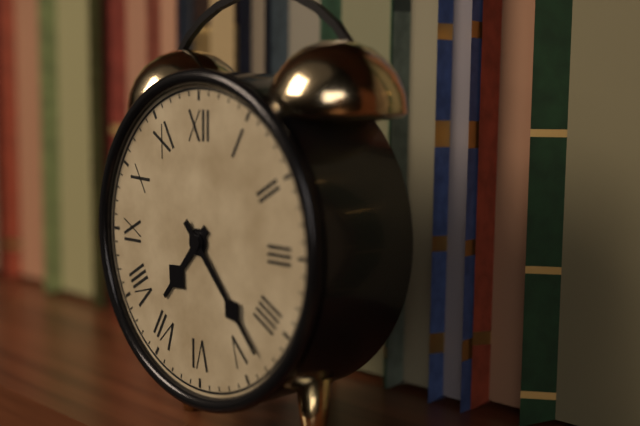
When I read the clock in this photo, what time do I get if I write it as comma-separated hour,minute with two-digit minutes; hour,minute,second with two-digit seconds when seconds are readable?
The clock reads 7,23
